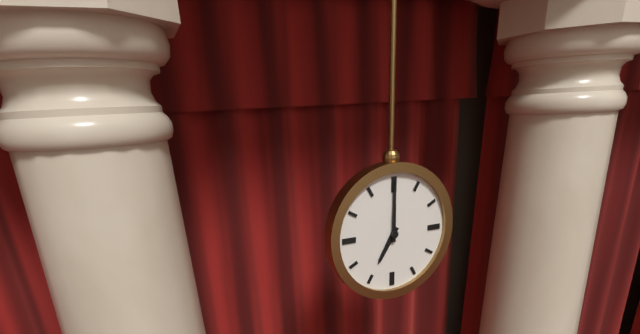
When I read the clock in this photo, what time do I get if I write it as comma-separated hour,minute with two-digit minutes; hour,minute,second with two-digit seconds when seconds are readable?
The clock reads 7,00
